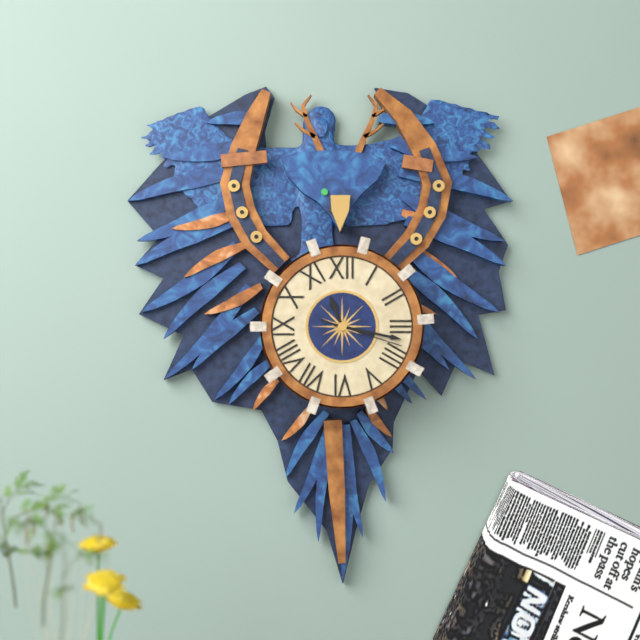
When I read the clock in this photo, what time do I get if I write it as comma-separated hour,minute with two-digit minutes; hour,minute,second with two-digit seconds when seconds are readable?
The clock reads 11,17,18
